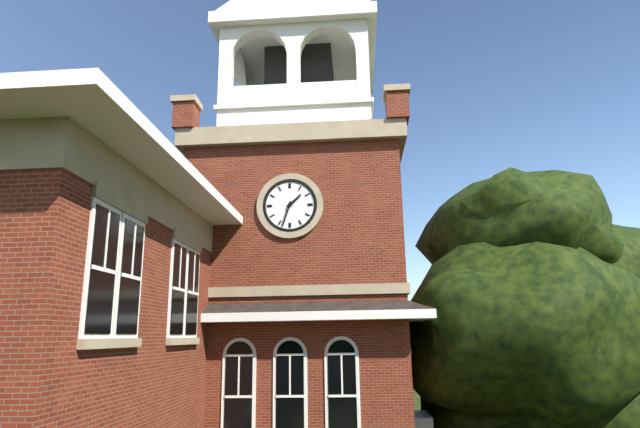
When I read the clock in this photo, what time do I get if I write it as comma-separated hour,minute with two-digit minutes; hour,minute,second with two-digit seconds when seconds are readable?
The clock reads 1,33
